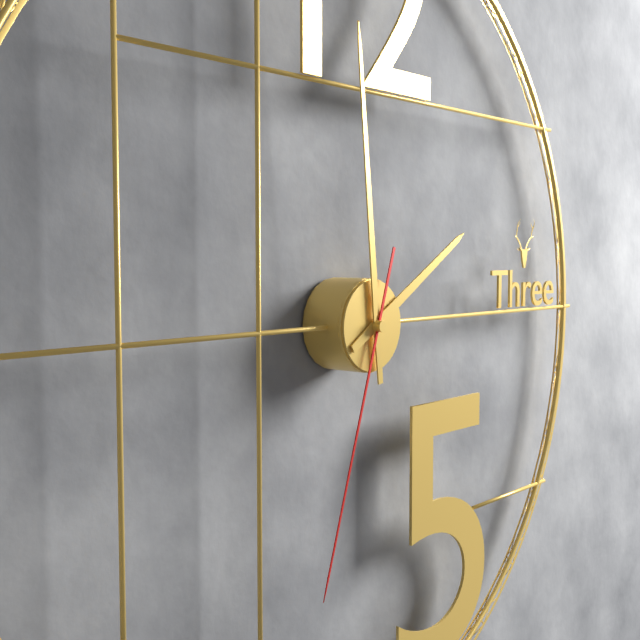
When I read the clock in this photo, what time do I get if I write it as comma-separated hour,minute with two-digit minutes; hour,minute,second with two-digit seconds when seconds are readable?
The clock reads 1,59,33
